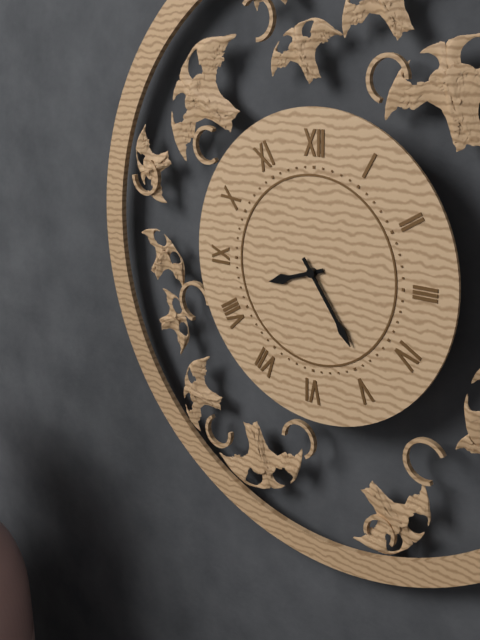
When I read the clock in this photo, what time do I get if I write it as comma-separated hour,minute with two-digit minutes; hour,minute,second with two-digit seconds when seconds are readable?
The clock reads 8,24
